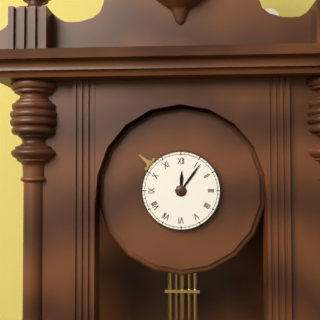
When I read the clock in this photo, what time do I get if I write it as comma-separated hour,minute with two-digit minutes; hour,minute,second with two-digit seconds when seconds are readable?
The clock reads 12,06
